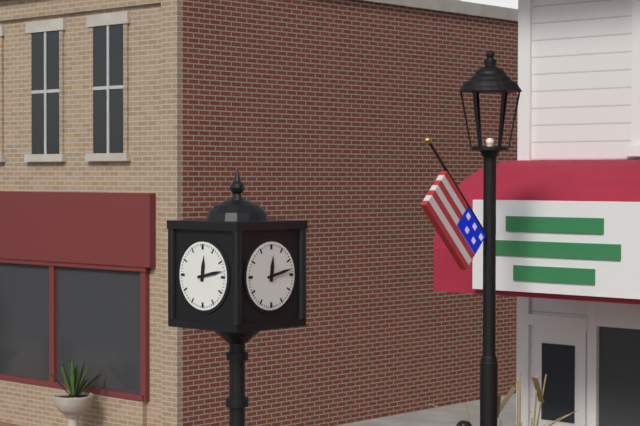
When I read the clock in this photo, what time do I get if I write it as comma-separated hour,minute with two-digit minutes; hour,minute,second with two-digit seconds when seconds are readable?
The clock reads 12,13
